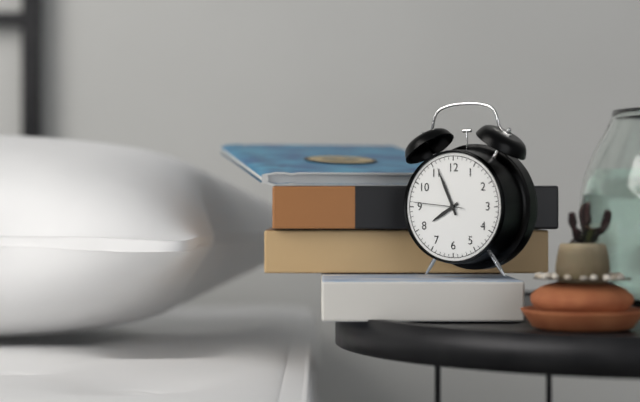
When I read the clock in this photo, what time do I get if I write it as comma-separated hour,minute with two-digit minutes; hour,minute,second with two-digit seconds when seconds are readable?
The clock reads 7,56,46
